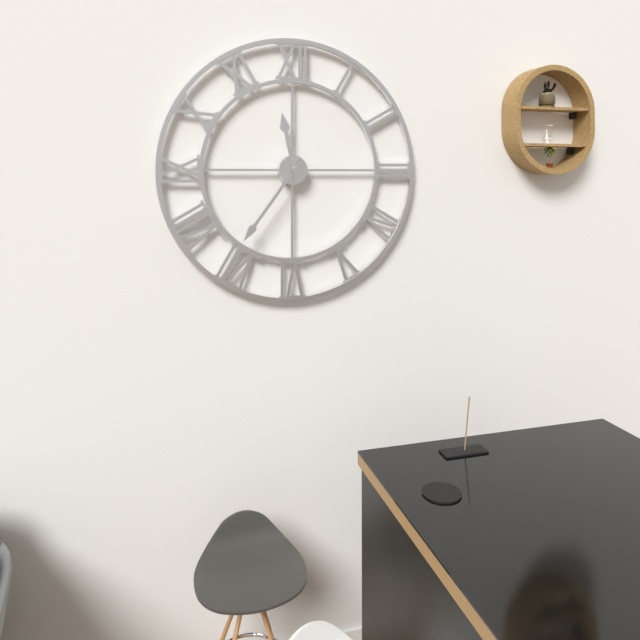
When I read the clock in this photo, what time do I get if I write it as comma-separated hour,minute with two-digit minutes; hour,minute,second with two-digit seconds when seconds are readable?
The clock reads 11,36
